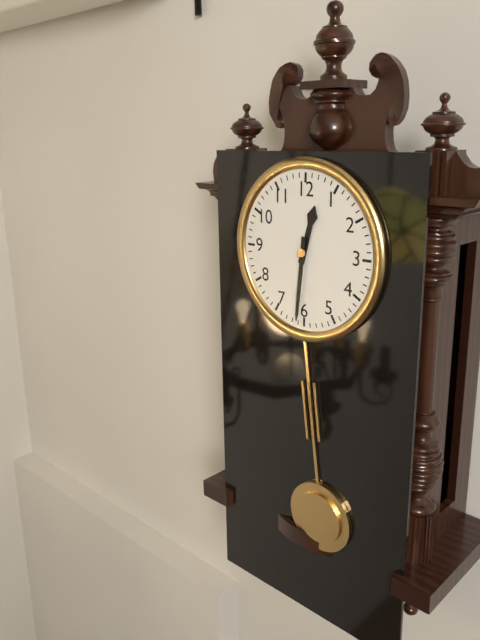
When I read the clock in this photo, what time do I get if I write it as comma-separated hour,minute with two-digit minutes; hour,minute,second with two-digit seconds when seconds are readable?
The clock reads 12,31
